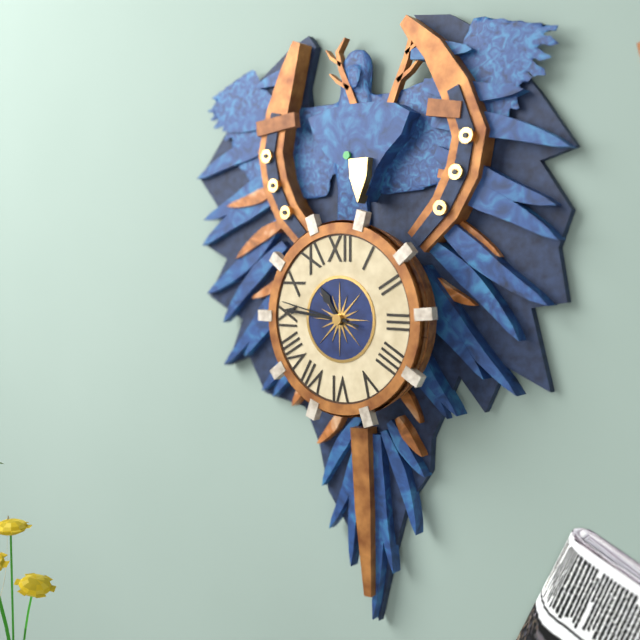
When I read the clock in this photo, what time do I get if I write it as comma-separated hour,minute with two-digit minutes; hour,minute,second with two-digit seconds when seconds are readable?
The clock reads 10,46,47
